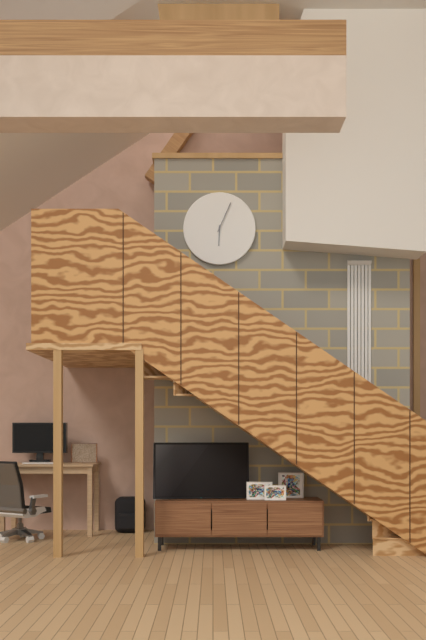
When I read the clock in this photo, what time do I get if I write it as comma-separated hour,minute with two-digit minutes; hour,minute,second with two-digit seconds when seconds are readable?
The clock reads 6,04
